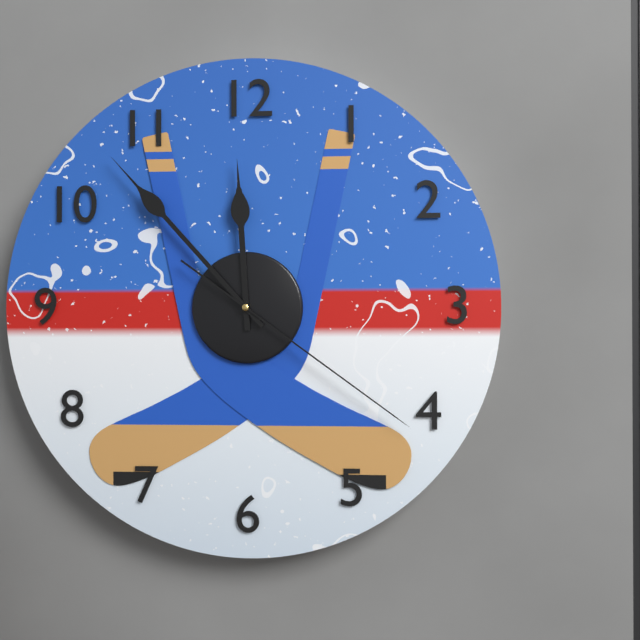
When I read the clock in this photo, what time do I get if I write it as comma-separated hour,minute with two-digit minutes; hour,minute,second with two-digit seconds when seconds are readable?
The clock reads 11,53,21
